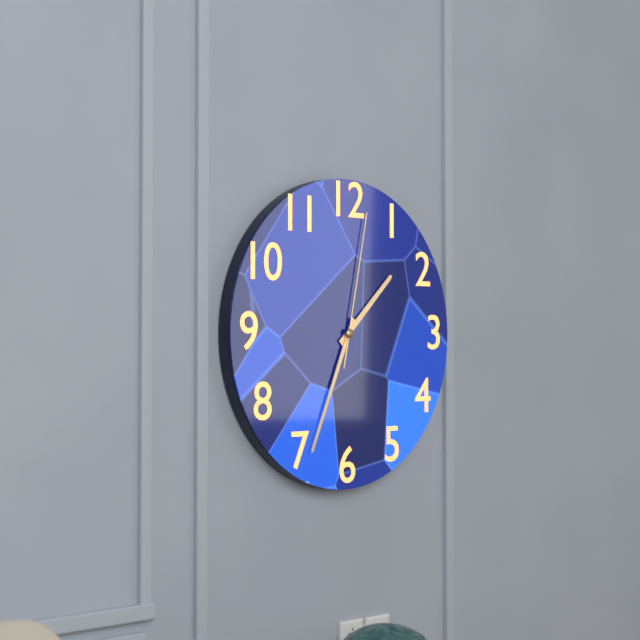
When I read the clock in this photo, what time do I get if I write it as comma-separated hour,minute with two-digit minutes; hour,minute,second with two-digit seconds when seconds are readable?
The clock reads 1,34,02
